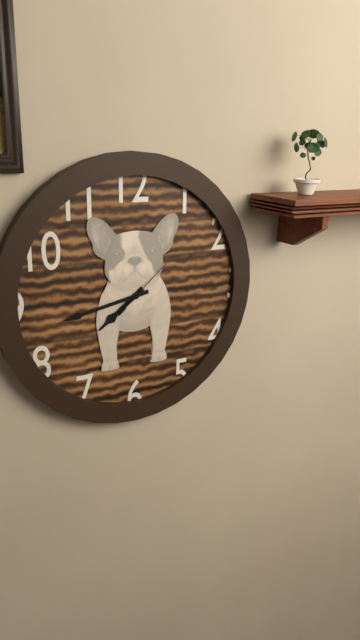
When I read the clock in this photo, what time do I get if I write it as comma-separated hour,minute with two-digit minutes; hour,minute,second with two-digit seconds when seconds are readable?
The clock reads 7,43,08
